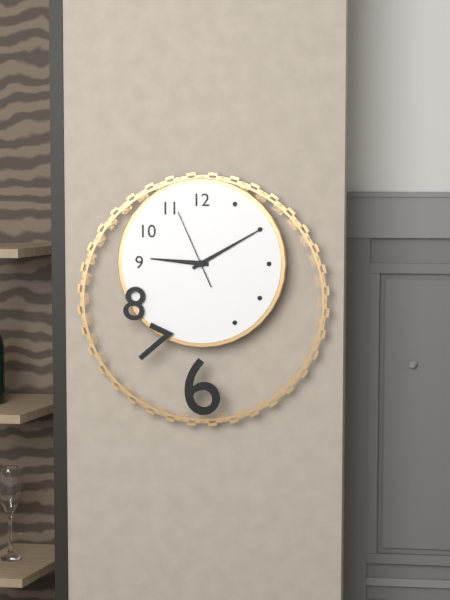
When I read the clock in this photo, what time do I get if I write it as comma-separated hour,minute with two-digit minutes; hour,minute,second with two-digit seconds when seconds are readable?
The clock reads 9,10,56
